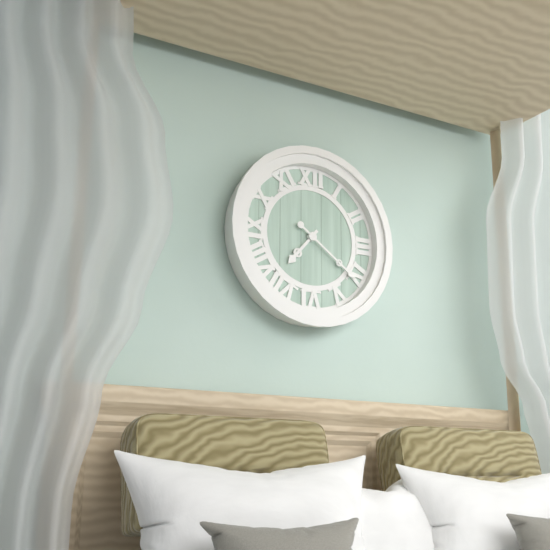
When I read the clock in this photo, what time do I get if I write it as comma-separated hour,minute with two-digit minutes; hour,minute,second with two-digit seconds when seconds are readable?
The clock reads 7,21
